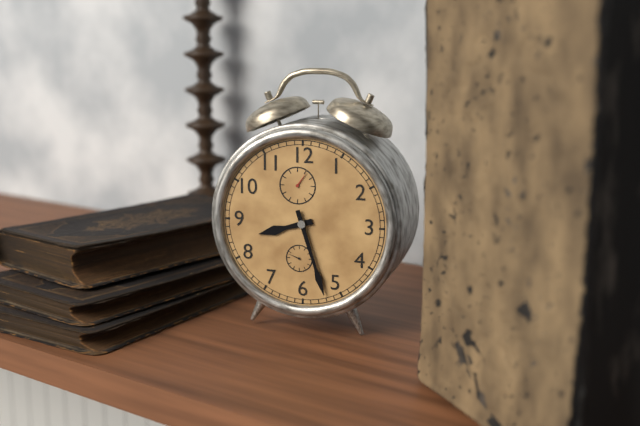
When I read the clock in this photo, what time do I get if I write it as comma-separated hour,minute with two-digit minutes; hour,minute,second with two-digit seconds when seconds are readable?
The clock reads 8,27
